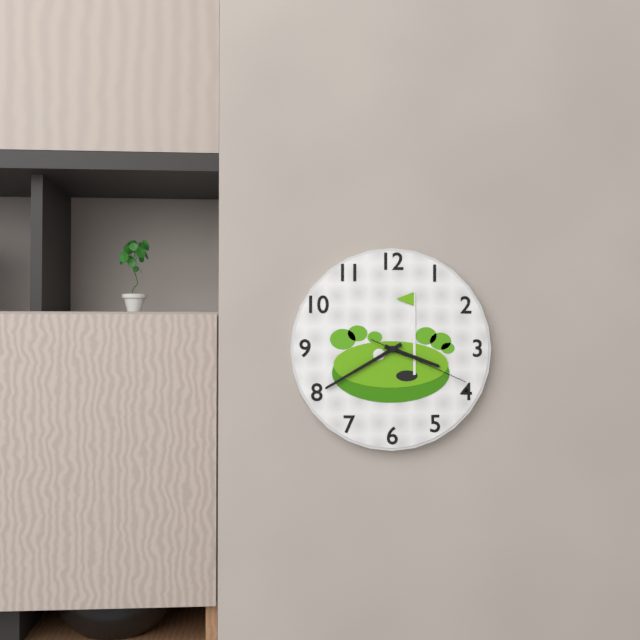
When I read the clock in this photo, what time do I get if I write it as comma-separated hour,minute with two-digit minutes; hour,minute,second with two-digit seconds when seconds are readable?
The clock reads 3,40,19
